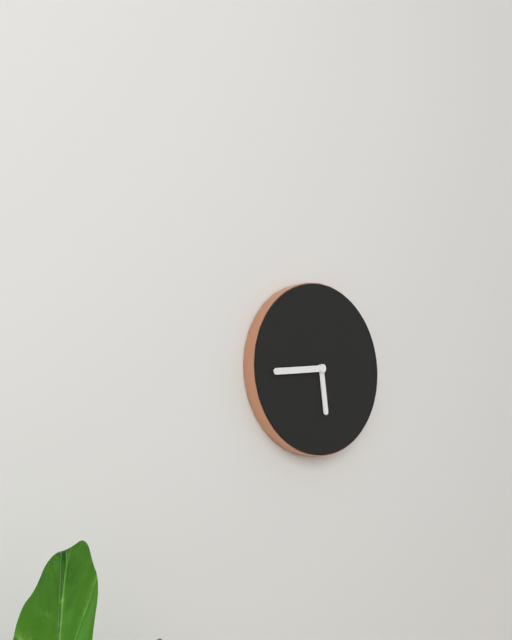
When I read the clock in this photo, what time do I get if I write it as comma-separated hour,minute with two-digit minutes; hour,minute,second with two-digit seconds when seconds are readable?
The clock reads 5,44
